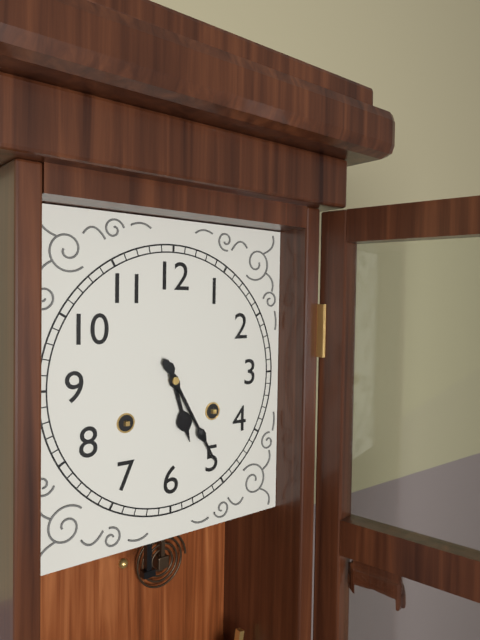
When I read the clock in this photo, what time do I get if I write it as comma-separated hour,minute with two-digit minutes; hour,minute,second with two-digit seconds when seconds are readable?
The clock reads 5,25
